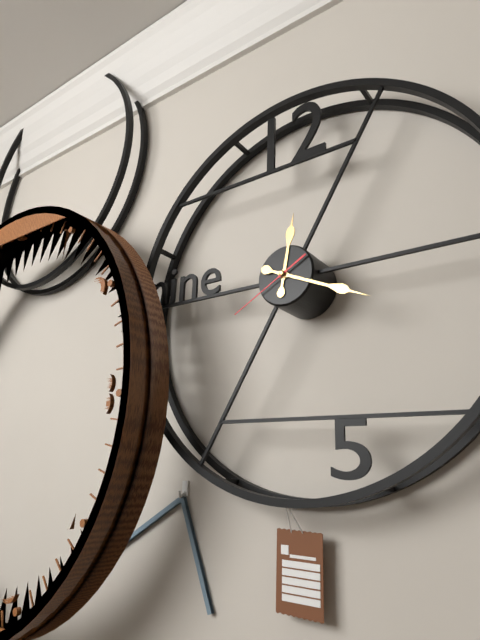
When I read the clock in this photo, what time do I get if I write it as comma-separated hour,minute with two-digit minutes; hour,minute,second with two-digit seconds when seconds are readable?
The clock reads 12,19,40
